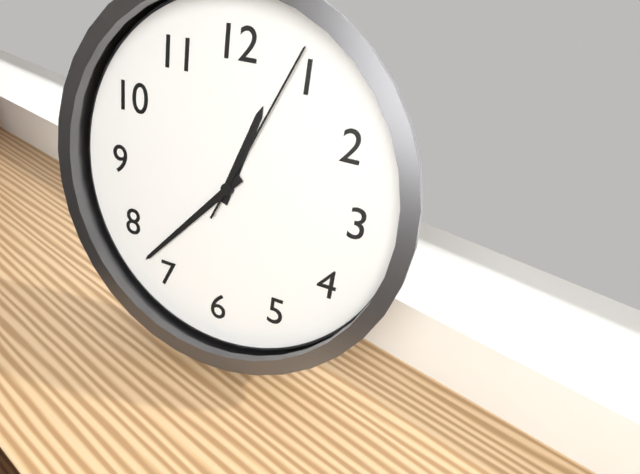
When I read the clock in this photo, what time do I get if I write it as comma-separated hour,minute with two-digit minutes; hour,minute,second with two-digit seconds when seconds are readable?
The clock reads 12,37,04
